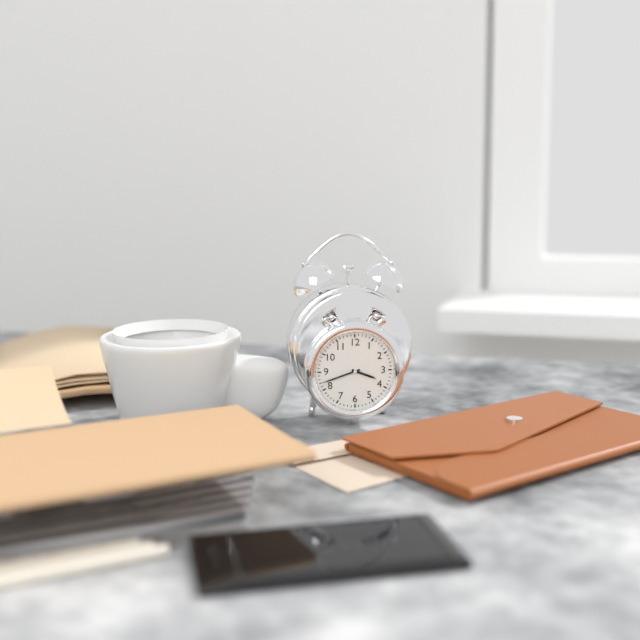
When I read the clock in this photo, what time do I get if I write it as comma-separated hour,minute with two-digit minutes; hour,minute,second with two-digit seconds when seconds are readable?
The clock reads 3,42
